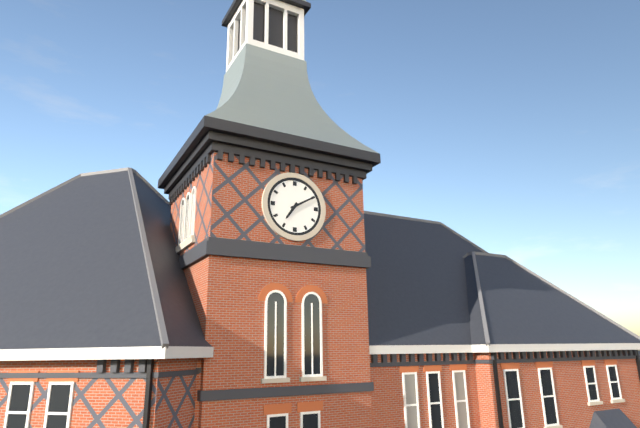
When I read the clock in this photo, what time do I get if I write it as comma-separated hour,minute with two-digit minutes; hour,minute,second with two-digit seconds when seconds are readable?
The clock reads 7,10
